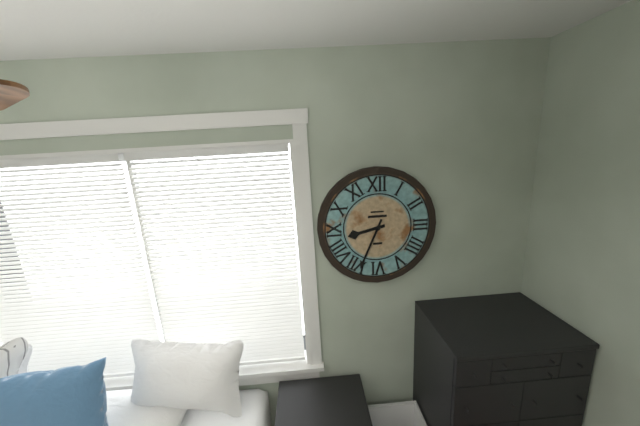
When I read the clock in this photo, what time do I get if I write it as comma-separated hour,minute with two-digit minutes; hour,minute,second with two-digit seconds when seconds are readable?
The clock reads 8,34
